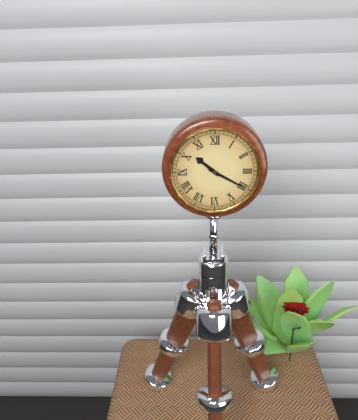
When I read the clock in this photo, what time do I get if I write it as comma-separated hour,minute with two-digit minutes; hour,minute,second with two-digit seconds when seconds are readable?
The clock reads 10,20
